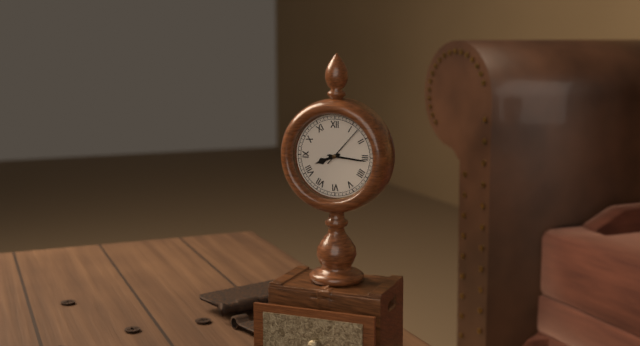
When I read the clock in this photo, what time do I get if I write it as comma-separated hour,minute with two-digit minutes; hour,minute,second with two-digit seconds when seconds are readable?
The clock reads 8,16
